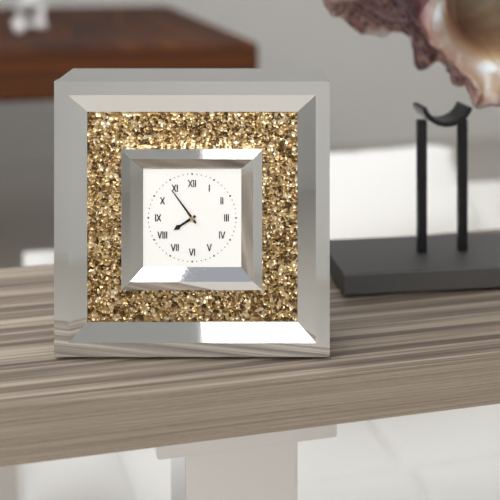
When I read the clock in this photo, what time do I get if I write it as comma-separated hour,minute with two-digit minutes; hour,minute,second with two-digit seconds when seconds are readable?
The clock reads 7,54
